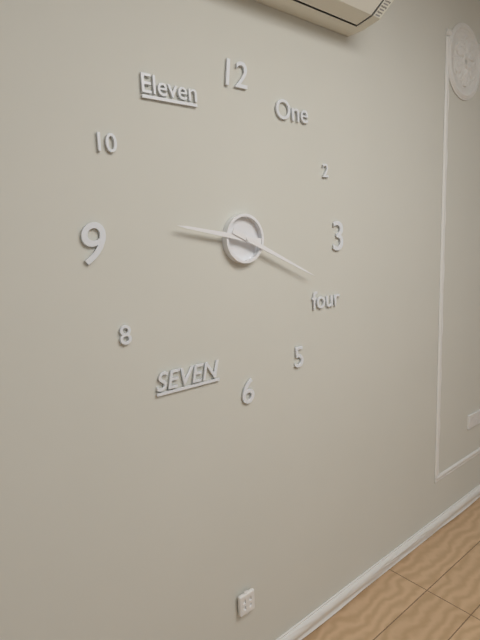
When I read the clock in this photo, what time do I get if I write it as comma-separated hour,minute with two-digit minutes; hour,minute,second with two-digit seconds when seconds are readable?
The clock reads 9,19
